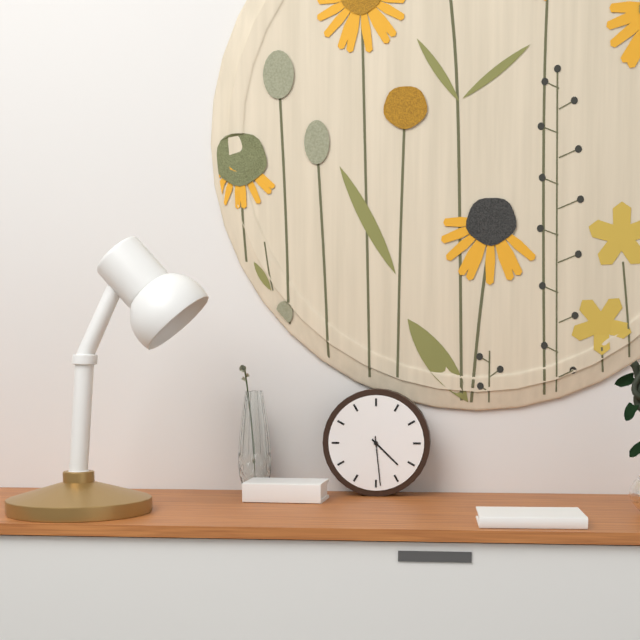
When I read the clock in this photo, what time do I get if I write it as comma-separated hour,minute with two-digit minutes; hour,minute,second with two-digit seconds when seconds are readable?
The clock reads 4,29
